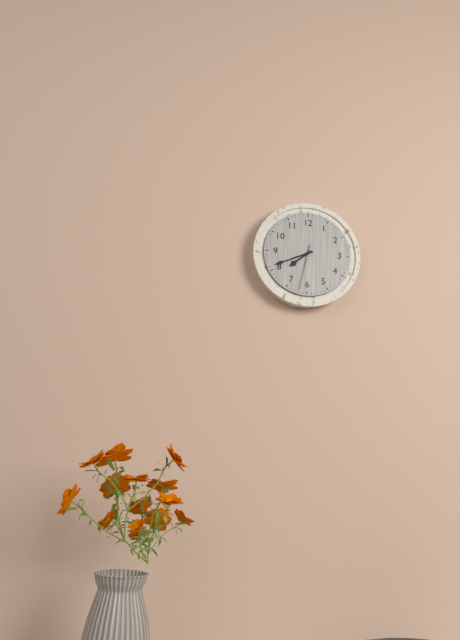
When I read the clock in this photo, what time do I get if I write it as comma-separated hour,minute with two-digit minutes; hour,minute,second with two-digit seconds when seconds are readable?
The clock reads 7,41
